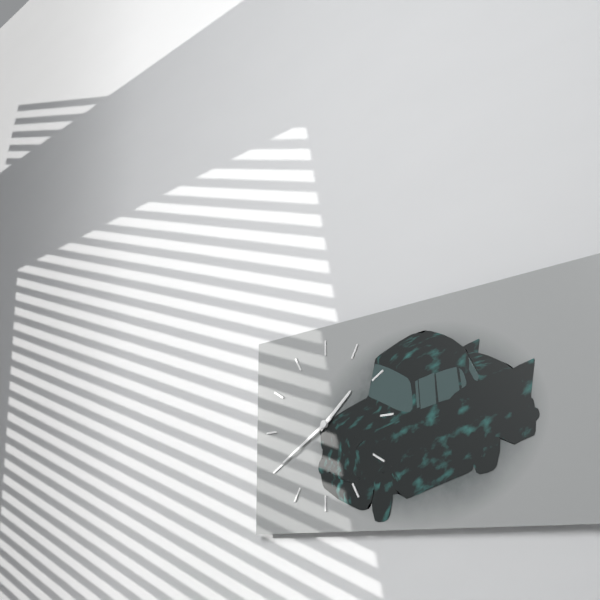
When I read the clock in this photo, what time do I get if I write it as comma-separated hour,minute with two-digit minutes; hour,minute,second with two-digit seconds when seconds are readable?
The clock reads 1,40
